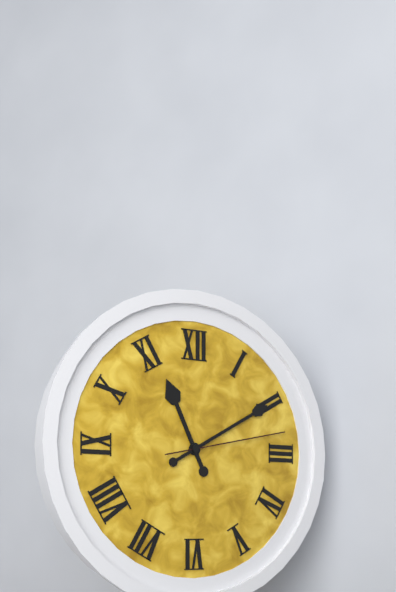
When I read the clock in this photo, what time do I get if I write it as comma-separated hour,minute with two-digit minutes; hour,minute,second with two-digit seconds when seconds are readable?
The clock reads 11,10,13
